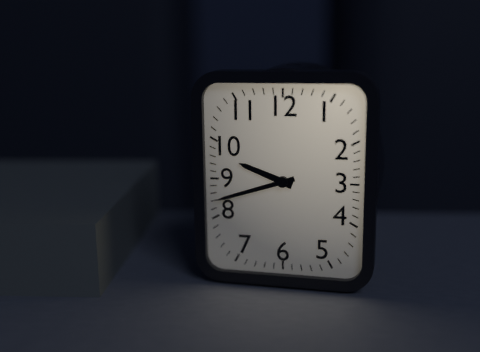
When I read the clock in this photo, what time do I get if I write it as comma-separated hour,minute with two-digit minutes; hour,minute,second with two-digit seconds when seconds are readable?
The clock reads 9,42
